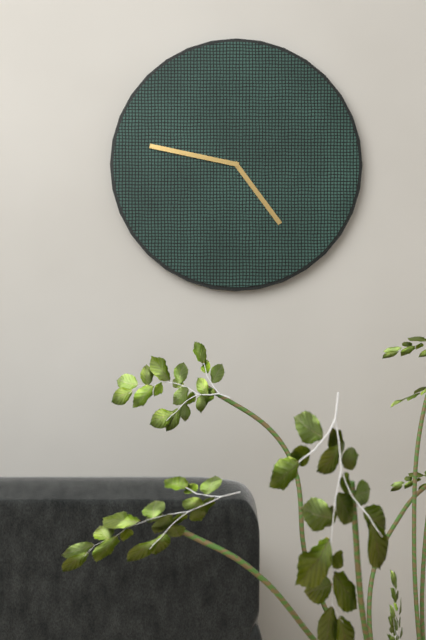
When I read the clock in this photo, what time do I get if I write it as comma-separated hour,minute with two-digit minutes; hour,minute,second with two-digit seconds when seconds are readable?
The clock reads 4,47
